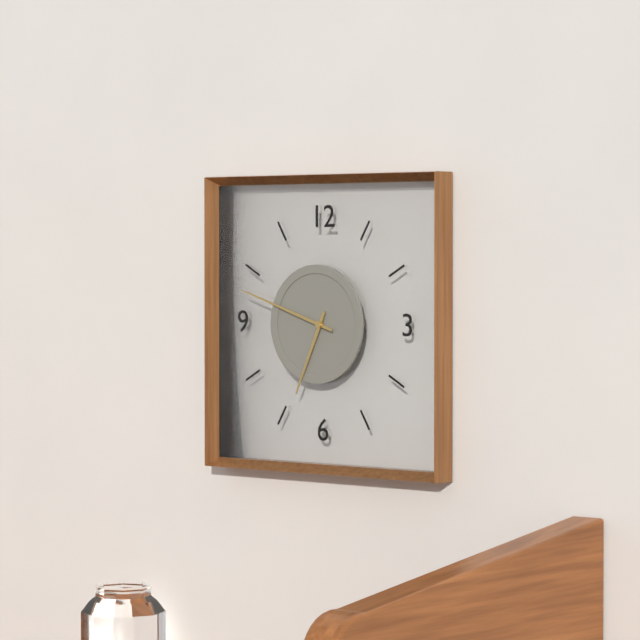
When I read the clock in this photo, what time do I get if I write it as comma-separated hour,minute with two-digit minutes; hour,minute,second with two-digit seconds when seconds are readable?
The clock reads 6,48
